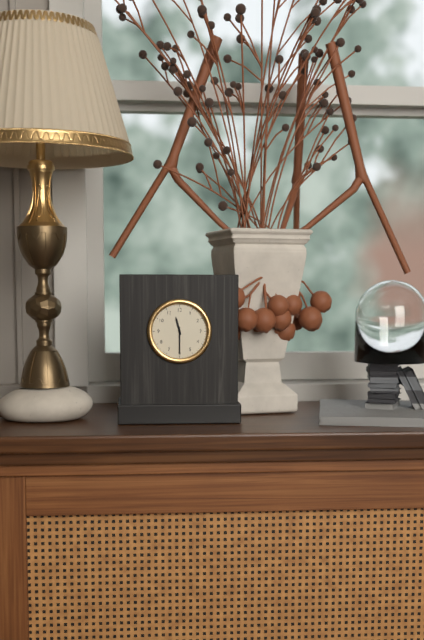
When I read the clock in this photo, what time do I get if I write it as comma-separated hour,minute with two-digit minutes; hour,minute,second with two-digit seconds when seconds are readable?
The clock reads 11,30
